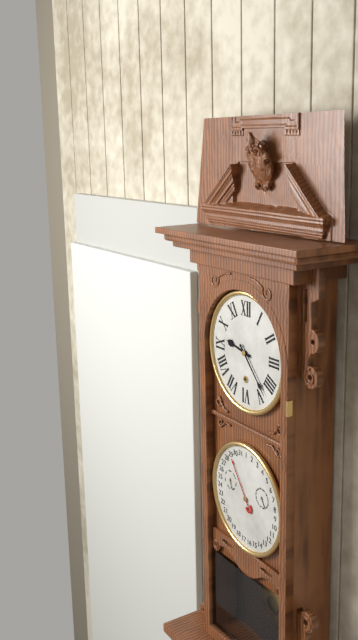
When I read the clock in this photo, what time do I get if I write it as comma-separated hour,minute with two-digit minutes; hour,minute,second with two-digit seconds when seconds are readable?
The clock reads 9,23
